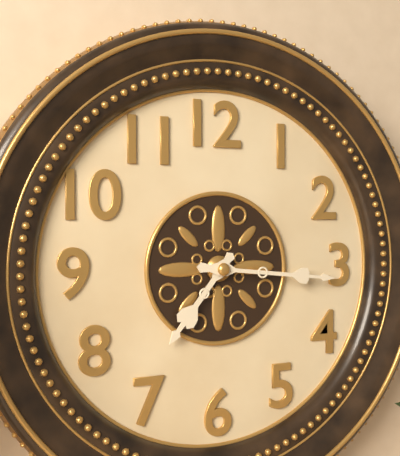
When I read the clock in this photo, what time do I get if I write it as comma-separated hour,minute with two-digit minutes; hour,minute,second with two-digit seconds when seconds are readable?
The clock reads 7,16
